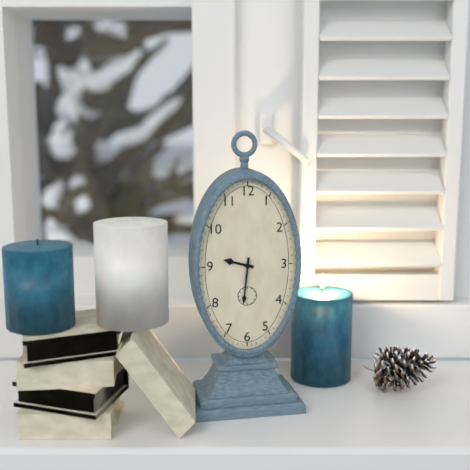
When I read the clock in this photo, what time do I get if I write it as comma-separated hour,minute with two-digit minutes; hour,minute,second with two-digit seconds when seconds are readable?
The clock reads 9,31
